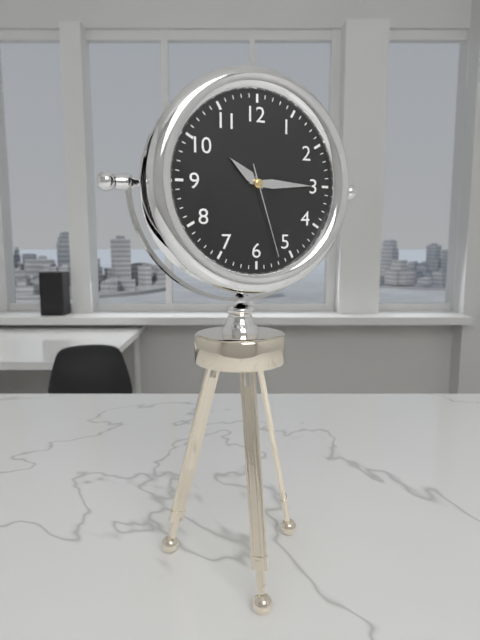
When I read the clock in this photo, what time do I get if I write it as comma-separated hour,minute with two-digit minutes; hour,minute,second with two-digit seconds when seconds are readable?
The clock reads 10,15,27
